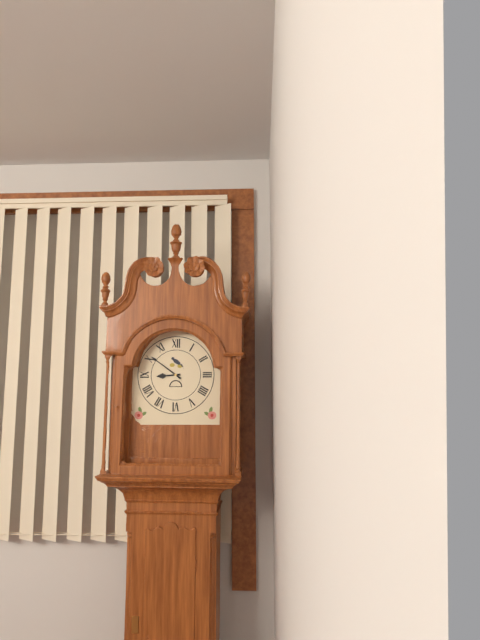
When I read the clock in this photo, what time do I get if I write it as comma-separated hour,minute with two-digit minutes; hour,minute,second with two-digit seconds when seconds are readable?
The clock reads 8,51
